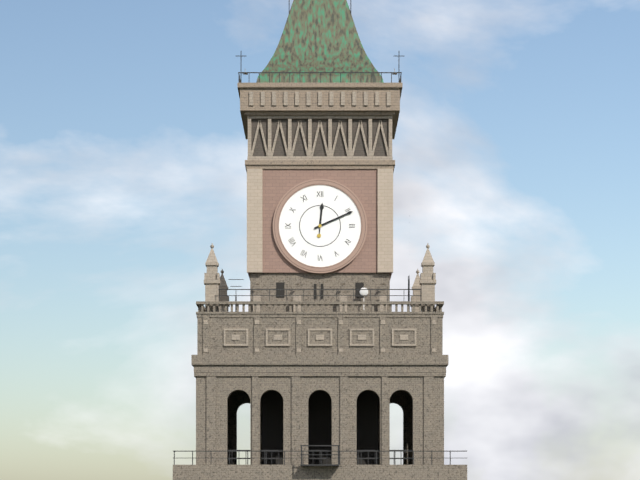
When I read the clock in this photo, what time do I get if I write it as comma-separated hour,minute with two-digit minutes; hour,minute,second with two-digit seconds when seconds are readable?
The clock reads 12,11
